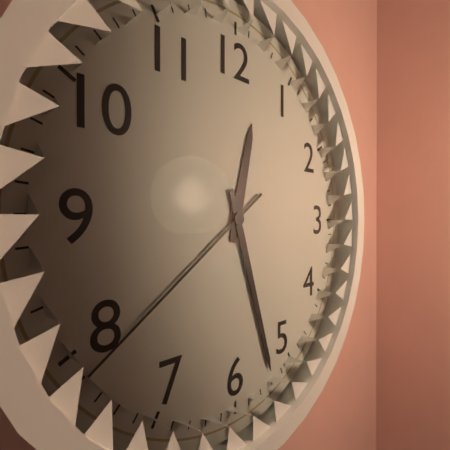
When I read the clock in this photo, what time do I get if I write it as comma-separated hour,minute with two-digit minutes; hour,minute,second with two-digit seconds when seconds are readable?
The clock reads 12,27,39
